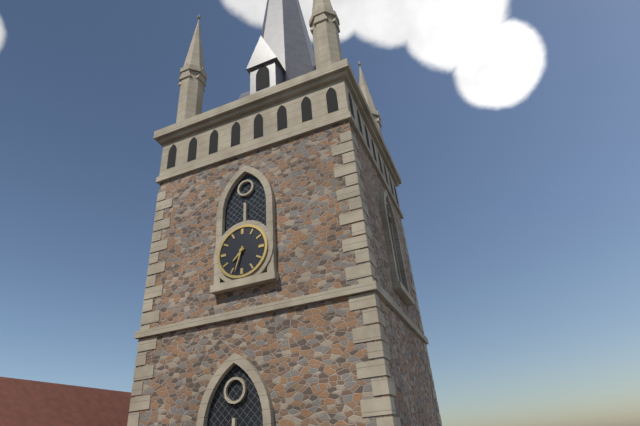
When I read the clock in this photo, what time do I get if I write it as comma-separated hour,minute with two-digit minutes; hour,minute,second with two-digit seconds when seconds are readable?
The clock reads 7,33
